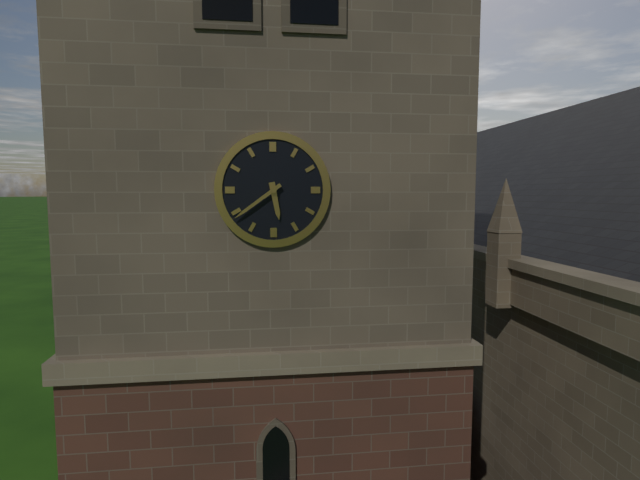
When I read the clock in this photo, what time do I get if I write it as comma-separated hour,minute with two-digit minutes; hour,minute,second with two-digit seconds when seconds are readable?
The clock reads 5,39
